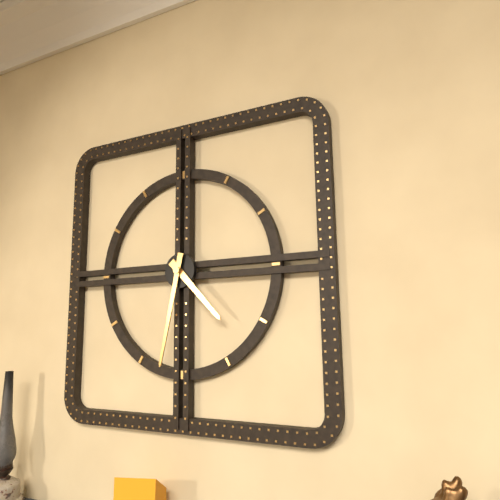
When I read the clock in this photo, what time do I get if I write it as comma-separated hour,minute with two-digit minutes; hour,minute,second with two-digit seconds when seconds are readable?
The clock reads 4,32
